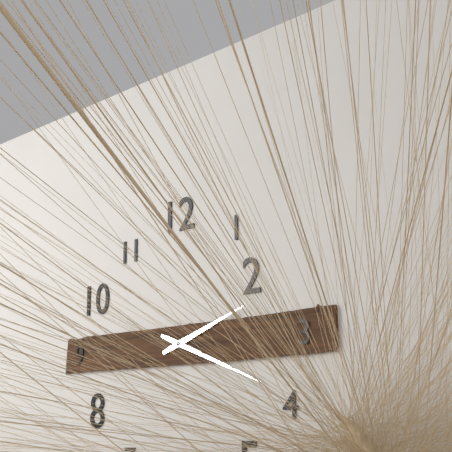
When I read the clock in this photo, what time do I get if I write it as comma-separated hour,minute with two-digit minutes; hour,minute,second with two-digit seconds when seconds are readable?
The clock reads 2,19
